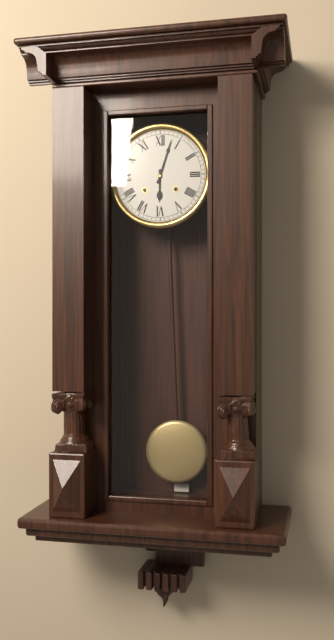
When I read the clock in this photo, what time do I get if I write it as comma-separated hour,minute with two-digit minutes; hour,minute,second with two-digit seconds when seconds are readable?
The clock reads 6,03
